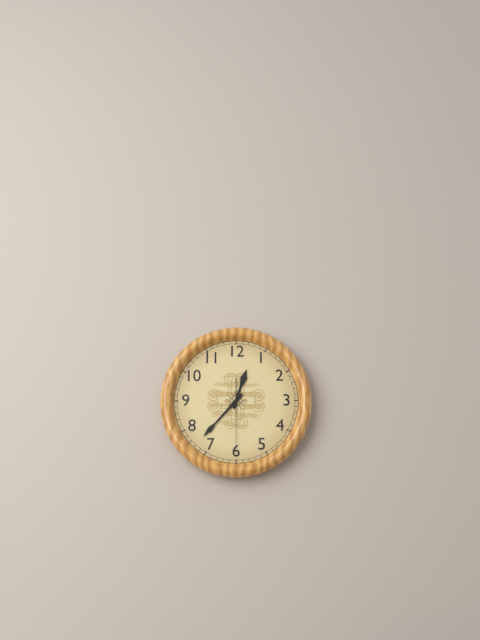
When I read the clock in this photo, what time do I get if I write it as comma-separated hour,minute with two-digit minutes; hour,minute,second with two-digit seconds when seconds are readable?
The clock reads 12,37,30
